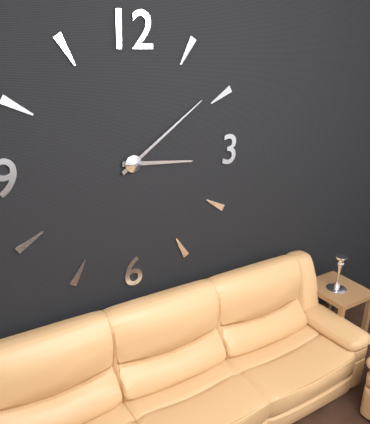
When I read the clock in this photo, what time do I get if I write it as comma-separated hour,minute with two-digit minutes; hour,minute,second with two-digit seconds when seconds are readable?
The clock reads 3,09
